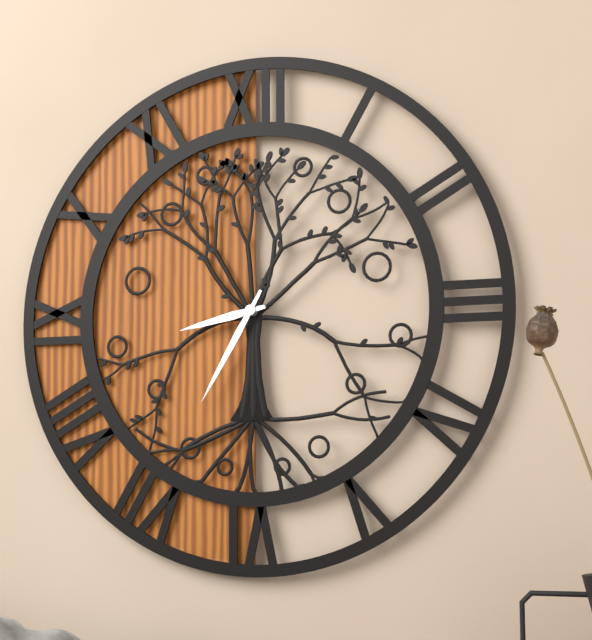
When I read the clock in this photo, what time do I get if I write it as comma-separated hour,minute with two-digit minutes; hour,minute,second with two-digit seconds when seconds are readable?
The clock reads 8,35
